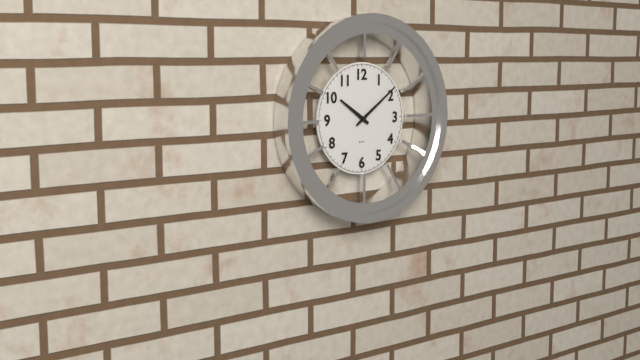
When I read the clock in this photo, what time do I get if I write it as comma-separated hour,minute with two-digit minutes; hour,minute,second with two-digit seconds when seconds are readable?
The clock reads 10,09
